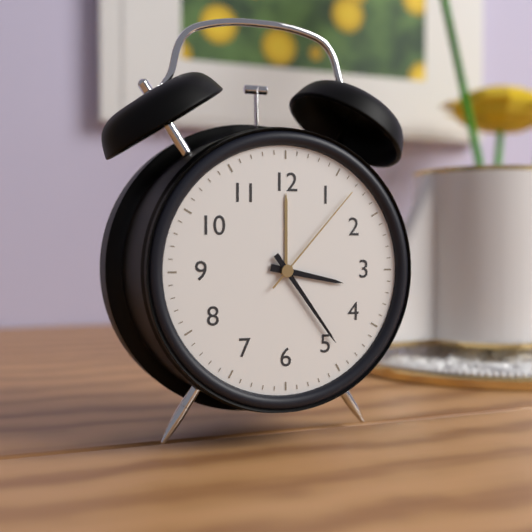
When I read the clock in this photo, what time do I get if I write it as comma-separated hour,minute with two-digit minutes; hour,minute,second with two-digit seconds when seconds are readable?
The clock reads 3,24,07
